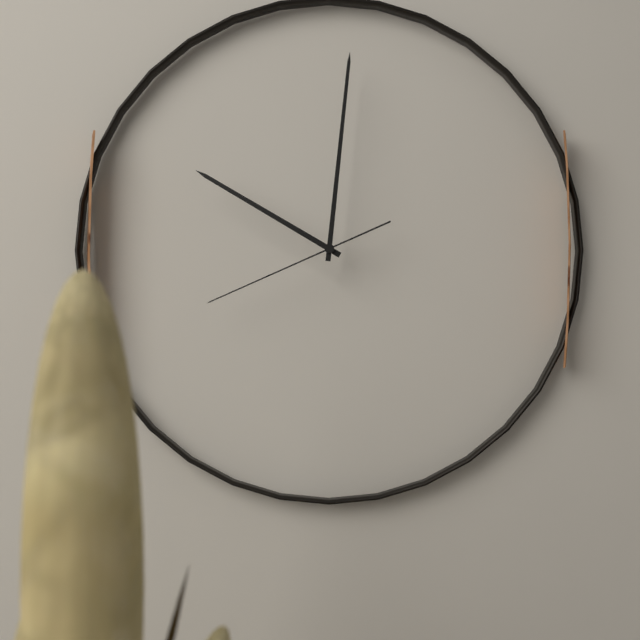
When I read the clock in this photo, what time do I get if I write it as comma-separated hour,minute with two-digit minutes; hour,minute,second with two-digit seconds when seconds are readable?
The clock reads 10,01,41
